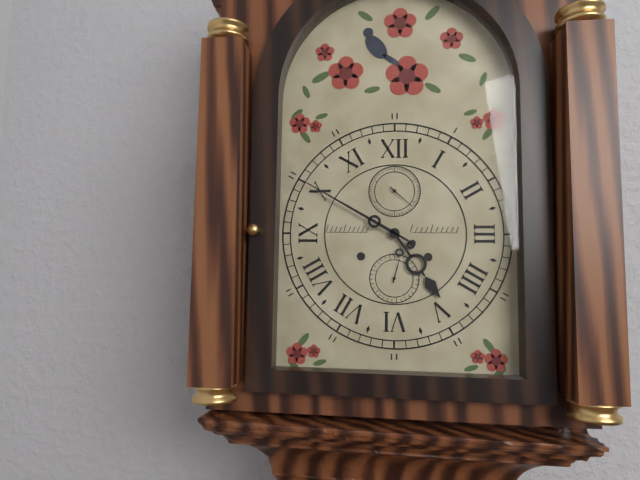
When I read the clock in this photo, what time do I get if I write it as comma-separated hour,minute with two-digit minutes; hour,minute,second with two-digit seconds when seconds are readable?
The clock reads 4,50
